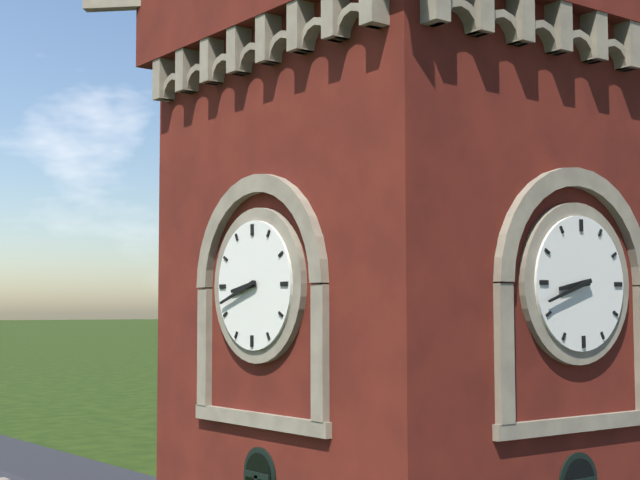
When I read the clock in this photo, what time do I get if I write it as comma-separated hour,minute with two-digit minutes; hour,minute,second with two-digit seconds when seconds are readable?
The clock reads 8,42
